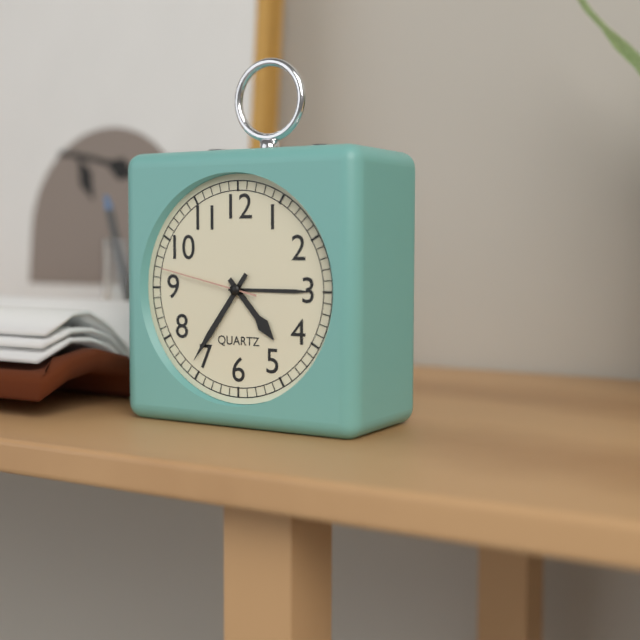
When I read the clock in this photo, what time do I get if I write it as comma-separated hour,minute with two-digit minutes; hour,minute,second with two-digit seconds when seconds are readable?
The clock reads 4,36,47
